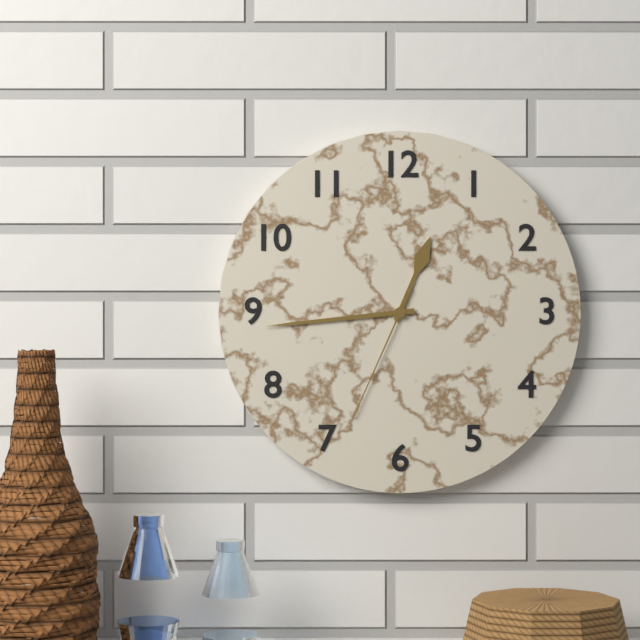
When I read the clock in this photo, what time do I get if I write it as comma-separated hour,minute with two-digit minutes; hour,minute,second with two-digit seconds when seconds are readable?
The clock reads 12,44,34
